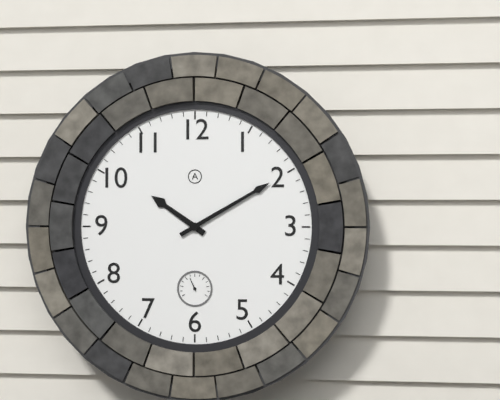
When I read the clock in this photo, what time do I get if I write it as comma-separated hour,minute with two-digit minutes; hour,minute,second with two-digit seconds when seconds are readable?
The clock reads 10,10
